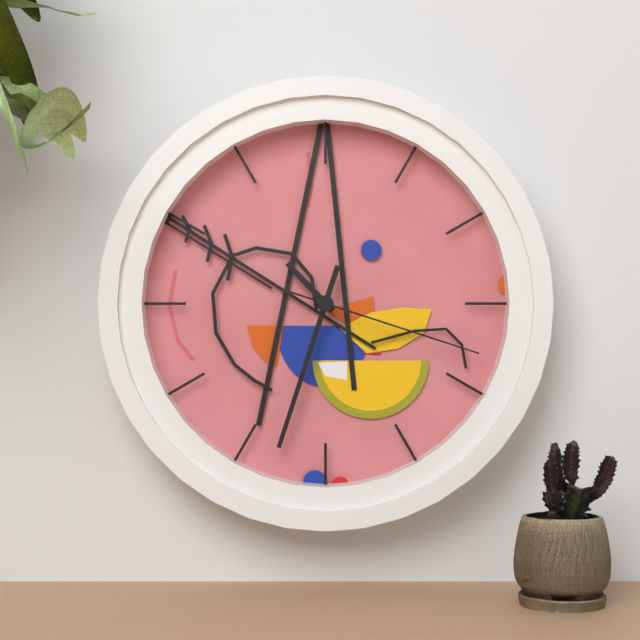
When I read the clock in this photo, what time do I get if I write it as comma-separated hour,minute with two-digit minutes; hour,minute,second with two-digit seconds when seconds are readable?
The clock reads 10,33,18
